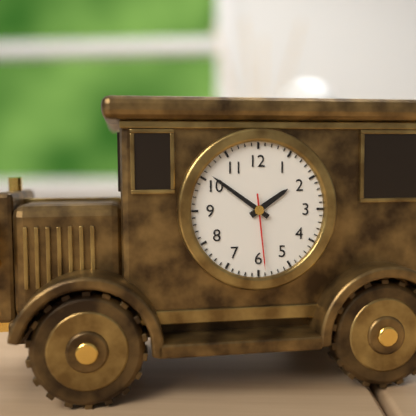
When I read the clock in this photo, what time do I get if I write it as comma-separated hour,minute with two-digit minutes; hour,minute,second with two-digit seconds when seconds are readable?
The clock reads 1,51,29
